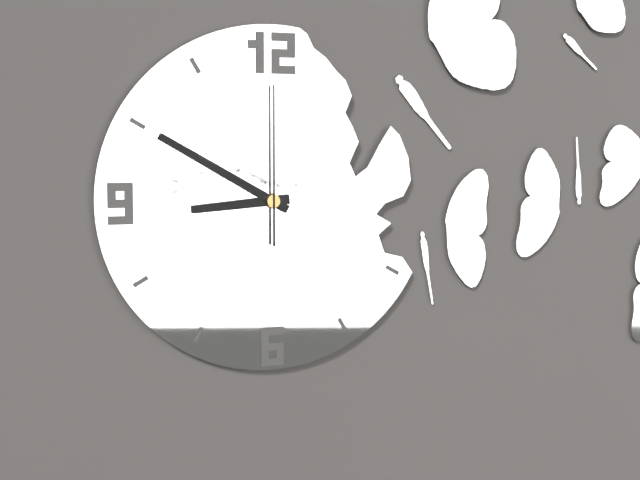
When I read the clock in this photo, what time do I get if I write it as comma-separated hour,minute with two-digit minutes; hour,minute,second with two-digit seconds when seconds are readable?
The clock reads 8,50,00
